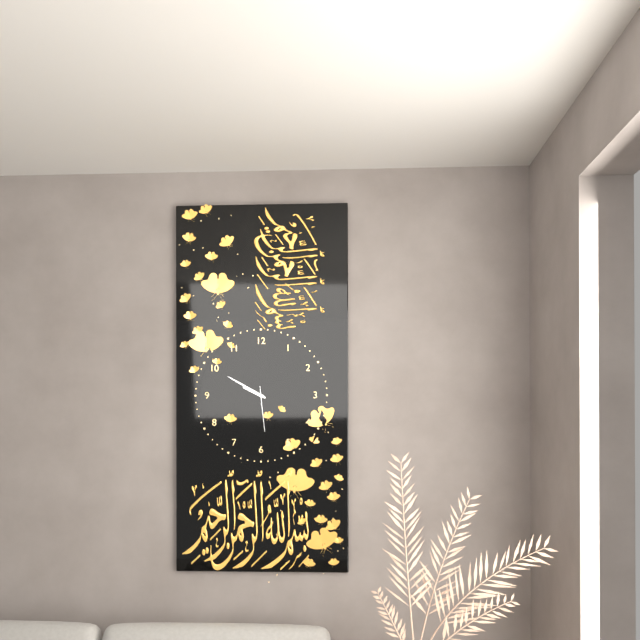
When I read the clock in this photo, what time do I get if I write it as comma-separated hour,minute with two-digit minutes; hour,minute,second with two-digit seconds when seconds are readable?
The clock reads 9,50
